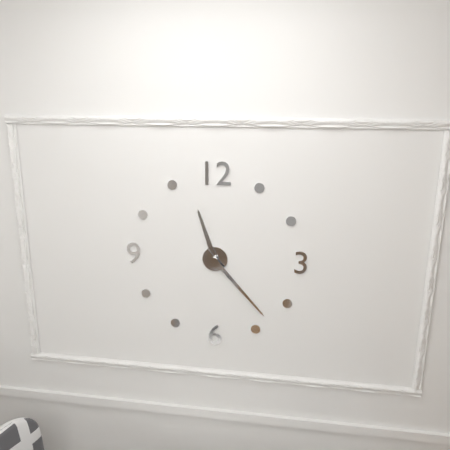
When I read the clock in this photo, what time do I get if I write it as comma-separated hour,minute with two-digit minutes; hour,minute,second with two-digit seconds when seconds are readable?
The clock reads 11,23
